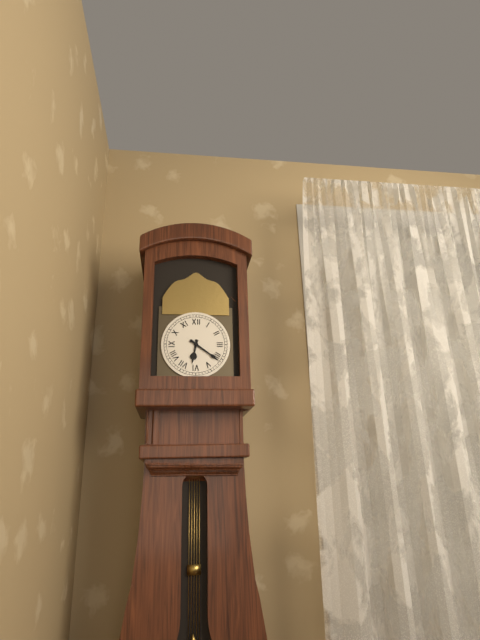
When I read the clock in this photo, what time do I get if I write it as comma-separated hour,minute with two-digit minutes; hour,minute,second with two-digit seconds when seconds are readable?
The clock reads 6,21
